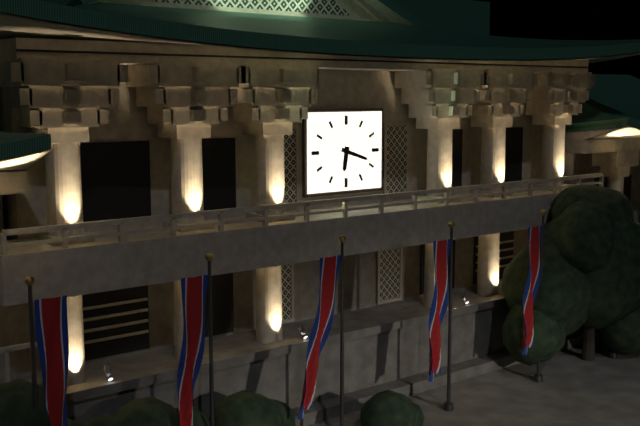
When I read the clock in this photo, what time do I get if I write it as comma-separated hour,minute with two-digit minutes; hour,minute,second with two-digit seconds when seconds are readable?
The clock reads 6,18
